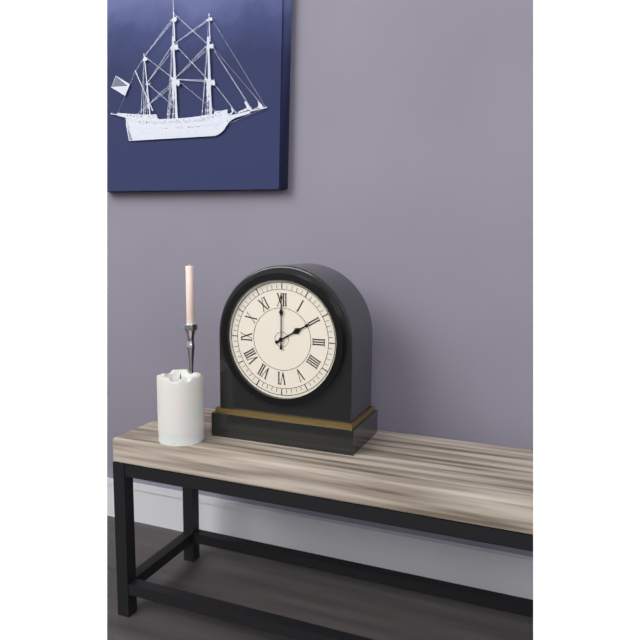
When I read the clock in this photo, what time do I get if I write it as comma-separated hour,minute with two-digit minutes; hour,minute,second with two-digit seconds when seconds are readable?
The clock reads 2,00
